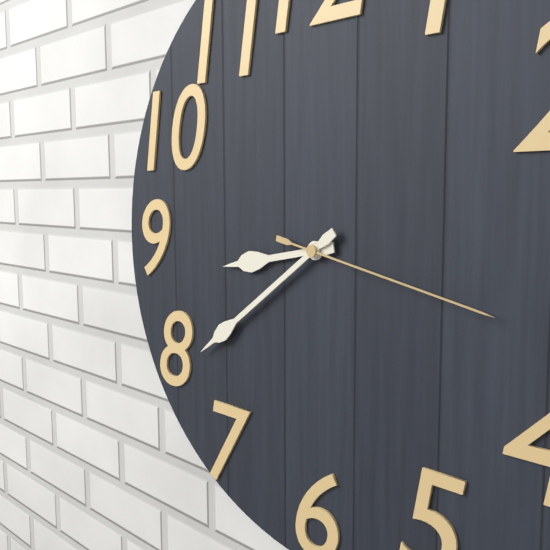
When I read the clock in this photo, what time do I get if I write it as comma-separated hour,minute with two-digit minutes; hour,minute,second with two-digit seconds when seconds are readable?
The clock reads 8,39,17
